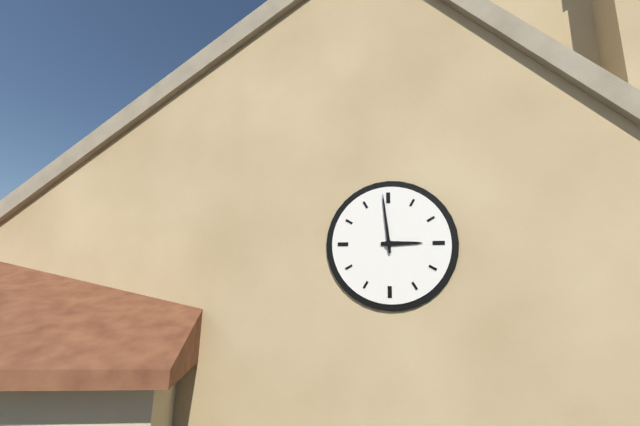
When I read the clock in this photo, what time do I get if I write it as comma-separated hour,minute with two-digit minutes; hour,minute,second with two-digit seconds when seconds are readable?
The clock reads 2,59
